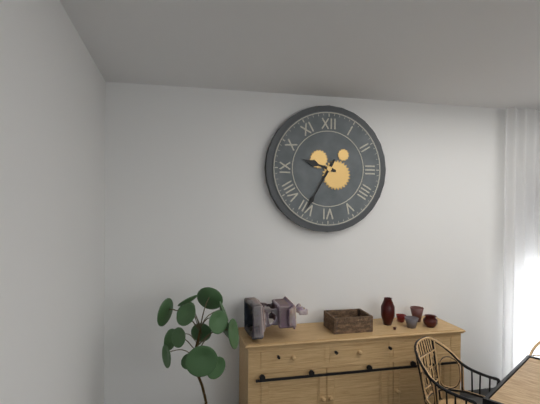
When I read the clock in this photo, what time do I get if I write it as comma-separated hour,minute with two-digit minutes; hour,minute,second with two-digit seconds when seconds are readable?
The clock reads 9,35
